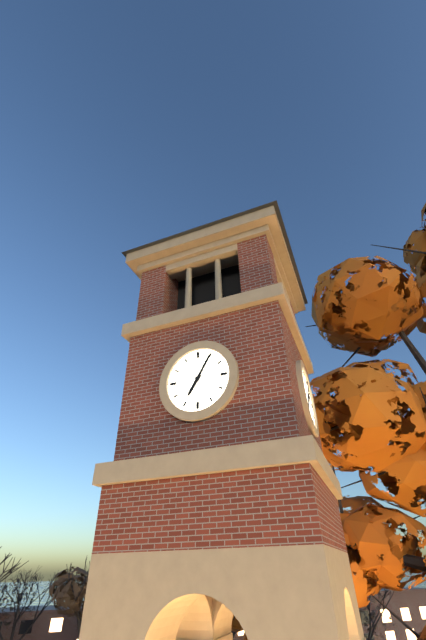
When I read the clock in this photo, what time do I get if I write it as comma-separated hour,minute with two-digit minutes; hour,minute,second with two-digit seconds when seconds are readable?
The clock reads 7,05
